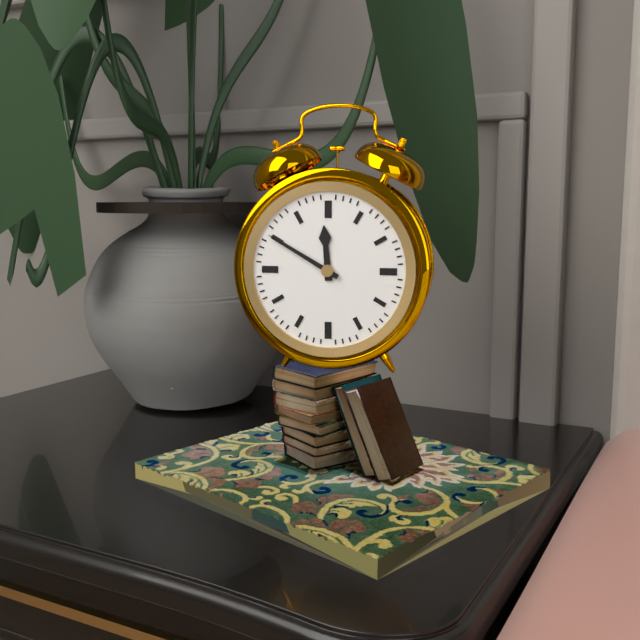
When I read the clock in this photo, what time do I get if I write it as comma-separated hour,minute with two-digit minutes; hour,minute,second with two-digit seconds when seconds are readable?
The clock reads 11,50
